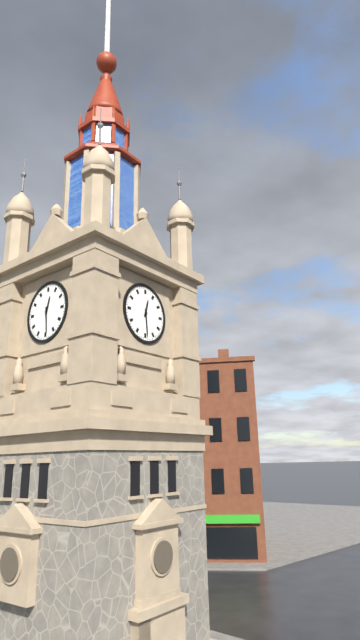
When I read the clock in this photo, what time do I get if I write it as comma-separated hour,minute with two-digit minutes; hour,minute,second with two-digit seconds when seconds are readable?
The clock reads 12,29
